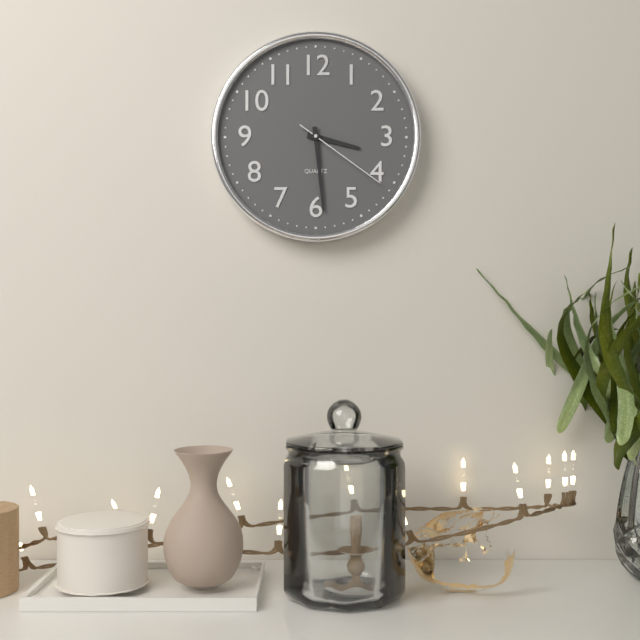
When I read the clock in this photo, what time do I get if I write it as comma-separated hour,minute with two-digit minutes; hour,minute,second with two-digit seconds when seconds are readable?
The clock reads 3,29,21
